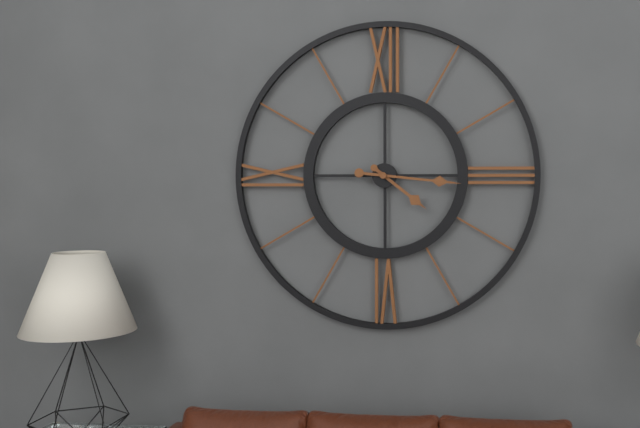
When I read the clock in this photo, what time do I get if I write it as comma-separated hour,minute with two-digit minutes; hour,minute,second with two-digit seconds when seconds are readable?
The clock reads 4,16
